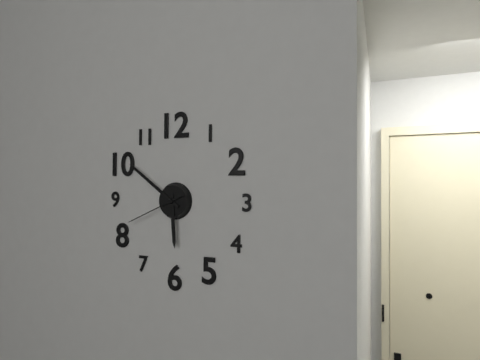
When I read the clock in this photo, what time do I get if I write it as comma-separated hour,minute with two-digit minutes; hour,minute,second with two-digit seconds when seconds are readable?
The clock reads 5,51,41
